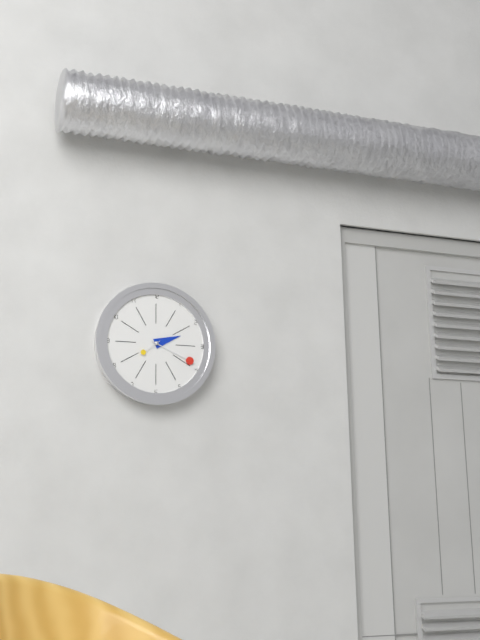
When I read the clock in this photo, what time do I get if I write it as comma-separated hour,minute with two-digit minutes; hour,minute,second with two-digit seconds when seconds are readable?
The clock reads 2,19
